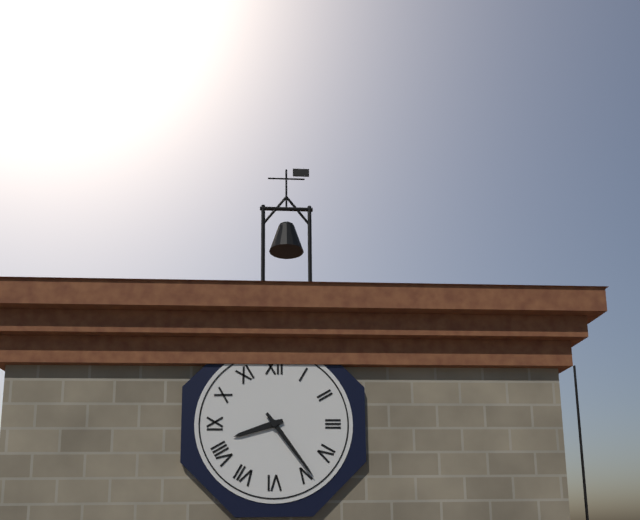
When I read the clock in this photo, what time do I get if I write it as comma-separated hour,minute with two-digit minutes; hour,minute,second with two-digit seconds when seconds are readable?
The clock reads 8,24
